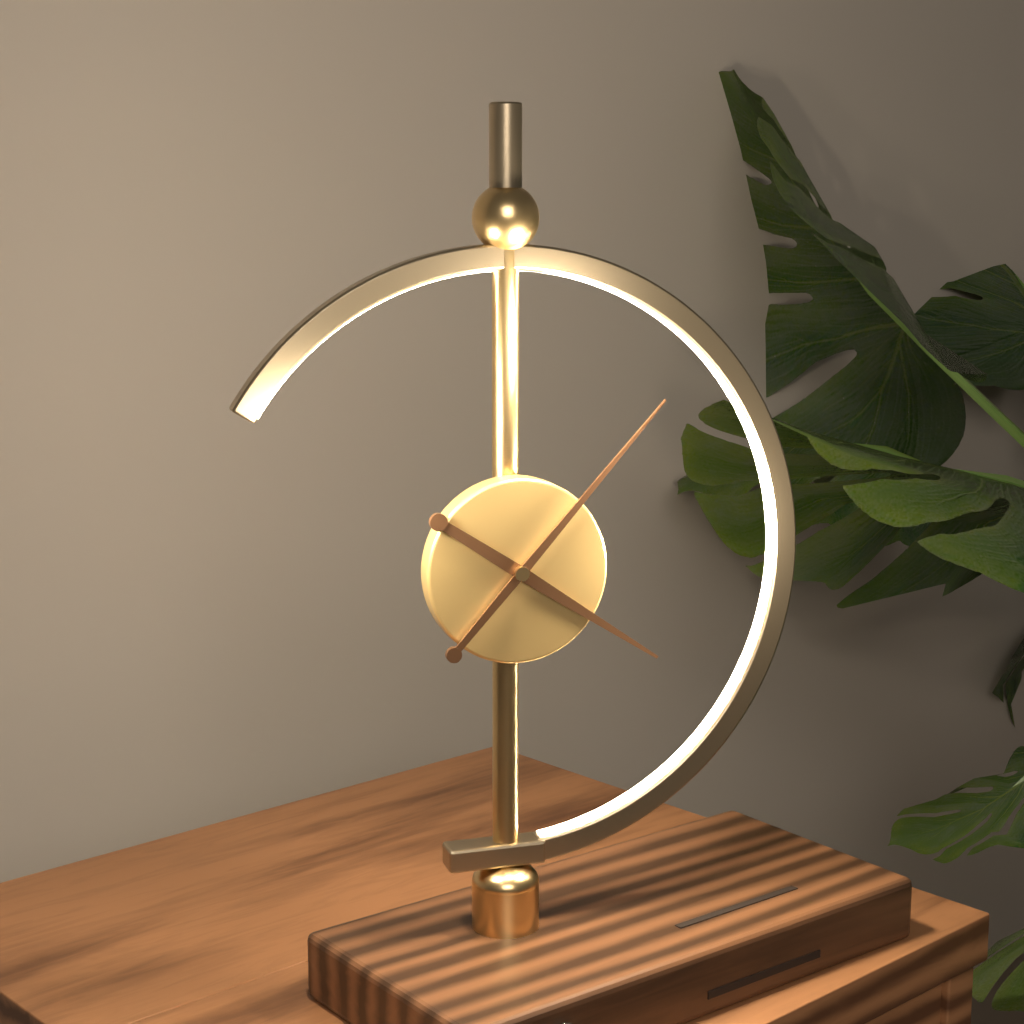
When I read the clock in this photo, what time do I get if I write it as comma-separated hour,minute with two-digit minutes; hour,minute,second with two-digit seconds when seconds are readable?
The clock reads 4,07
